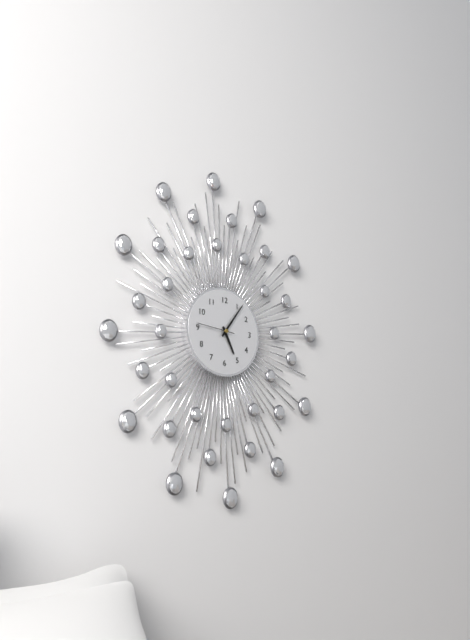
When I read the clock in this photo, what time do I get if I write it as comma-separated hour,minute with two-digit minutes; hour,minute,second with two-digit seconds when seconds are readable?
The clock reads 5,06
